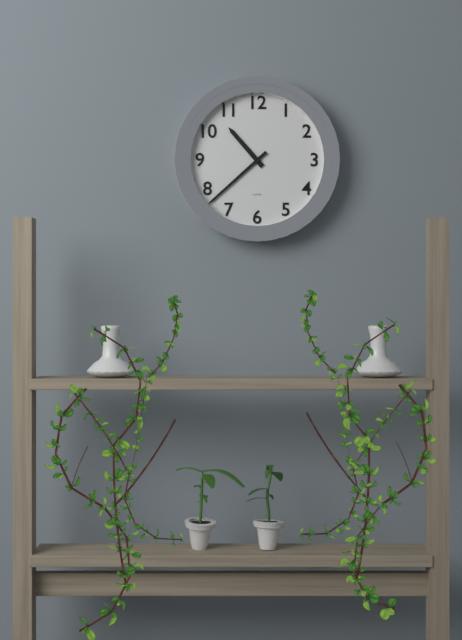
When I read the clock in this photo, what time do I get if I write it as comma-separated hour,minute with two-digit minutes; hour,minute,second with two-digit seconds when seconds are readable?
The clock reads 10,38
